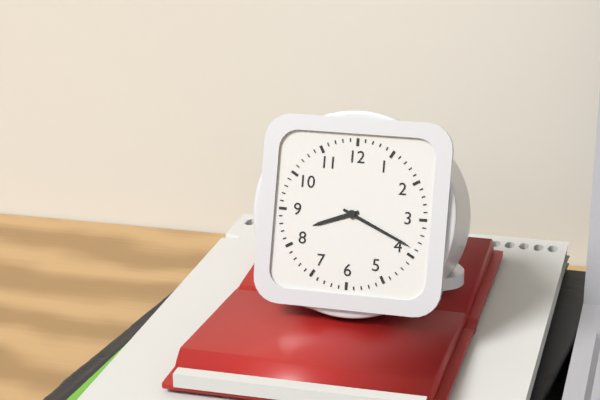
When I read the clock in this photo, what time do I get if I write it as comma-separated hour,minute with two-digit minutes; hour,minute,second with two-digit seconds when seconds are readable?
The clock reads 8,19
